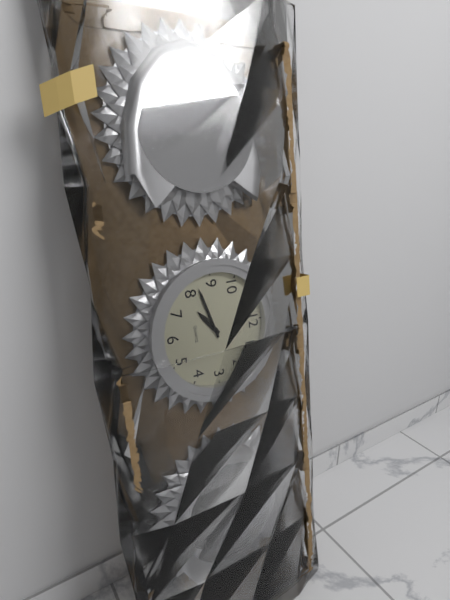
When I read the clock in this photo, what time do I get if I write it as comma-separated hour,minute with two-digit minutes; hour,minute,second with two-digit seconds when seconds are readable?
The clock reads 7,42
